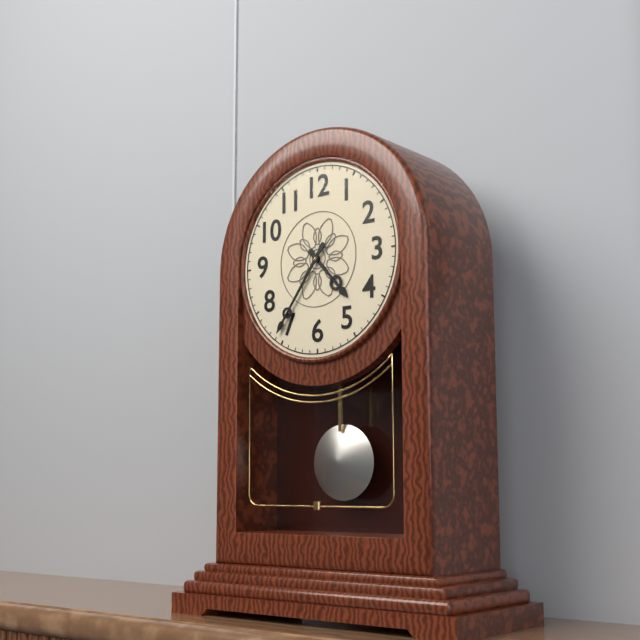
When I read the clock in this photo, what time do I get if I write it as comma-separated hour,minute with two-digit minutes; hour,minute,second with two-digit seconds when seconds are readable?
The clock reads 4,36
